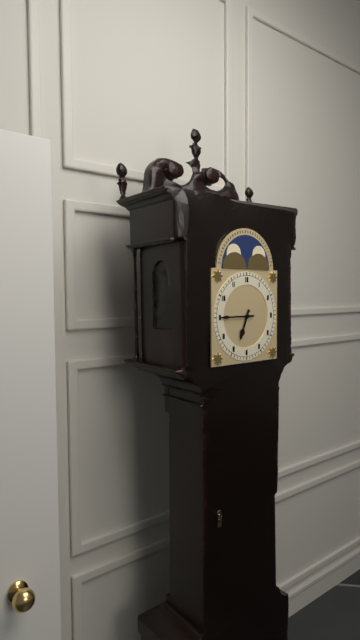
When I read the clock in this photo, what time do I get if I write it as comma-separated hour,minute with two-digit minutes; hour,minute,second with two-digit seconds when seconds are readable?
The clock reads 6,45
